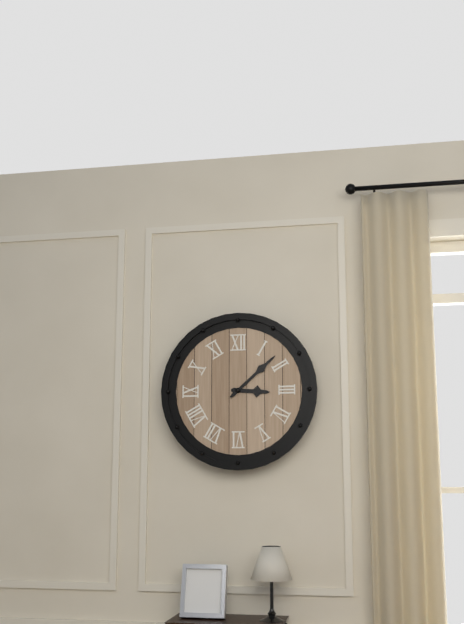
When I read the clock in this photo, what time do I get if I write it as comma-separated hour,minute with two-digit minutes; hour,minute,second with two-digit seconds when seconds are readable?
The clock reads 3,08
